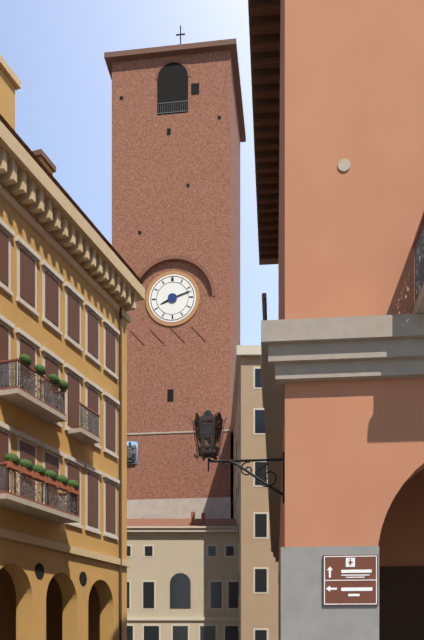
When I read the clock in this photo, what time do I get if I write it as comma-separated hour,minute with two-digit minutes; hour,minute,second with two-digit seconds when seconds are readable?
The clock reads 8,12
